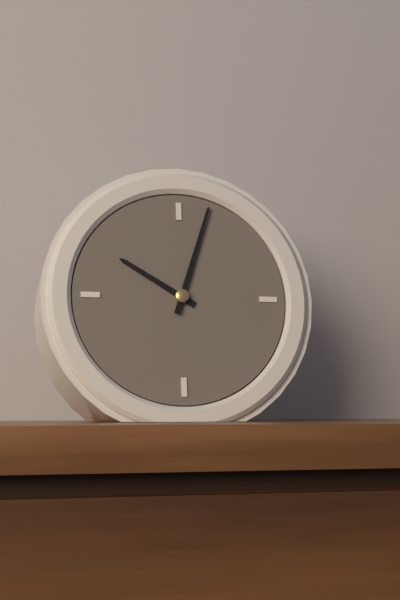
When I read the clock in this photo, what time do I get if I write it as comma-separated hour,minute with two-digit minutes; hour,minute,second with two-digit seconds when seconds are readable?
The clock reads 10,03
